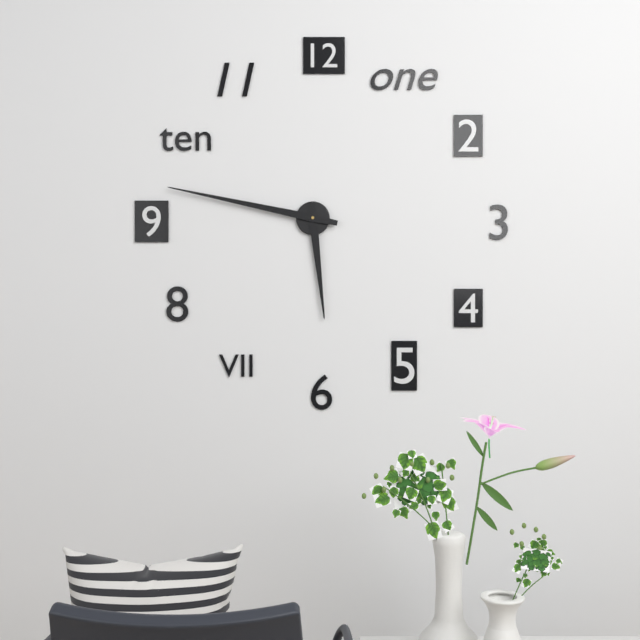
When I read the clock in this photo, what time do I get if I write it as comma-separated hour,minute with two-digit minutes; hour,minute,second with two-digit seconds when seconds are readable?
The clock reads 5,47
